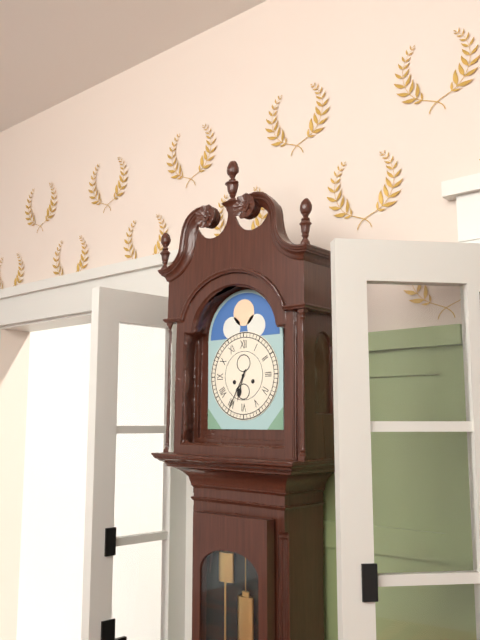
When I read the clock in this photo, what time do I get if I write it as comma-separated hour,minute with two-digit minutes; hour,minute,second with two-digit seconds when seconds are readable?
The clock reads 6,35
